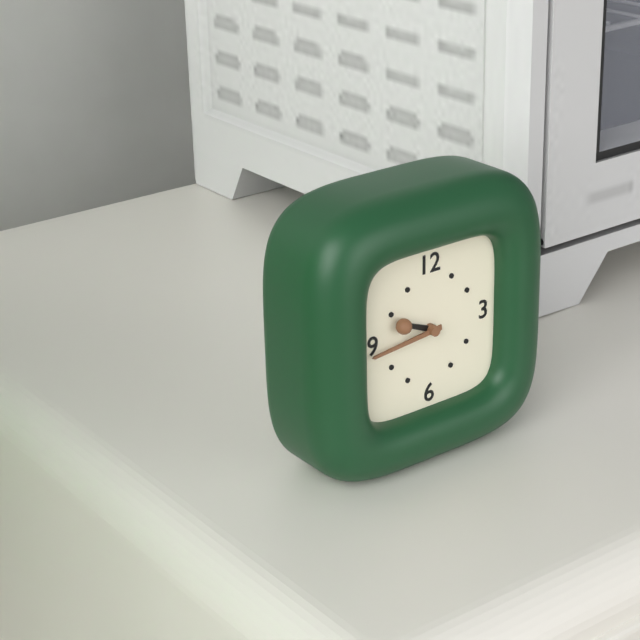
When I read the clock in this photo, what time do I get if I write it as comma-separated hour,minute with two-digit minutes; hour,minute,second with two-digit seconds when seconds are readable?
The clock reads 9,44
